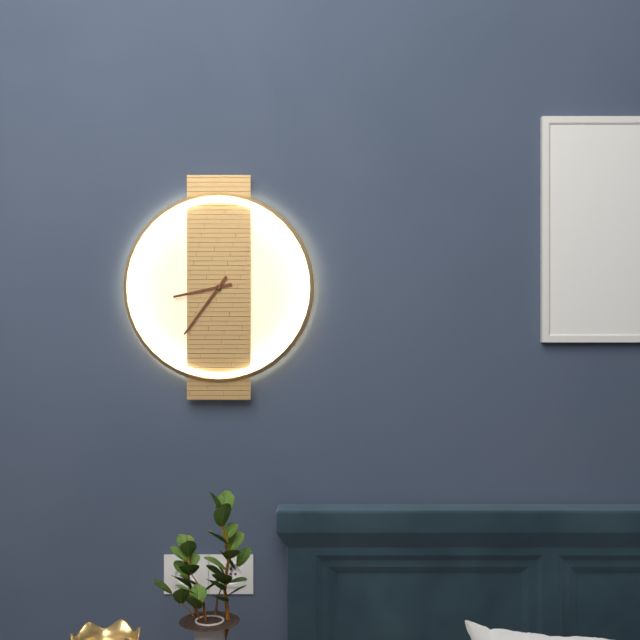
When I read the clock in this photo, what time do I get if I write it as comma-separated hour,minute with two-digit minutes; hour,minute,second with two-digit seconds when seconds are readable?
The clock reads 8,36
